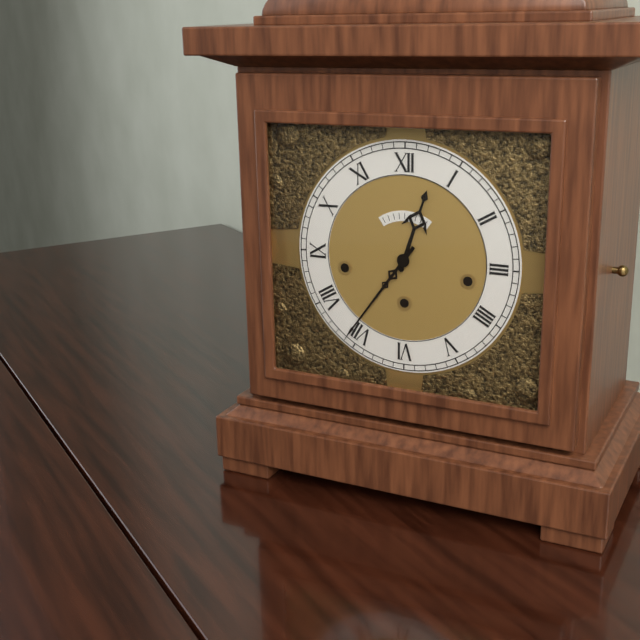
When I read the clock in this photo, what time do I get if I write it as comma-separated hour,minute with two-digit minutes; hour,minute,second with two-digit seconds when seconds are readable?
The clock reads 12,36
